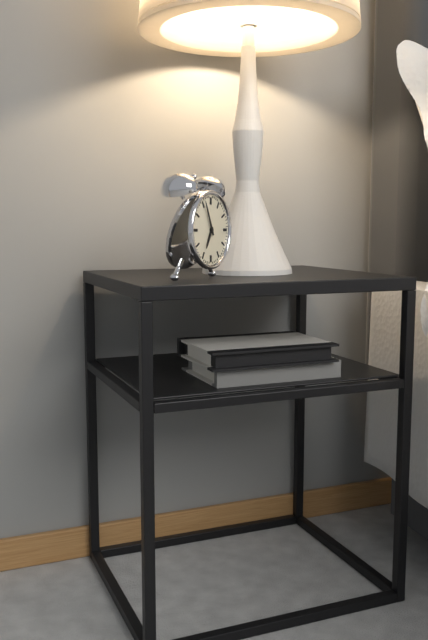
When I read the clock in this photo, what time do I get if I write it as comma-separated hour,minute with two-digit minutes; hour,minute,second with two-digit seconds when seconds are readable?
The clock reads 6,56
